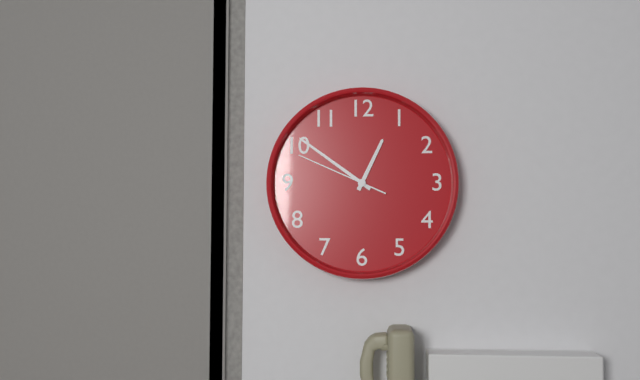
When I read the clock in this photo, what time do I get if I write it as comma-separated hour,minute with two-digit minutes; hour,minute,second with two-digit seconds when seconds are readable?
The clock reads 12,51,49
